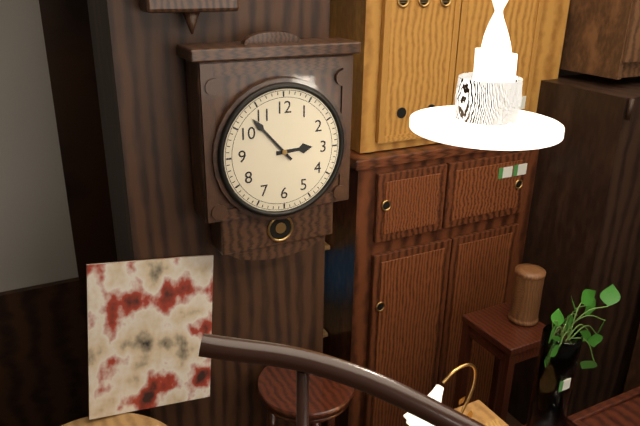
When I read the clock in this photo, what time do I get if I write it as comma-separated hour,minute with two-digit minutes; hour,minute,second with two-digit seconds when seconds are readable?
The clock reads 2,53
